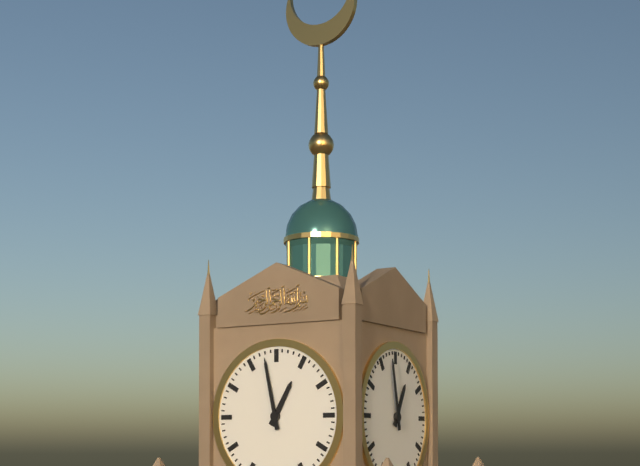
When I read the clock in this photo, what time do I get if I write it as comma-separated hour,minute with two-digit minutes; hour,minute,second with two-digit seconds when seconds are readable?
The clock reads 12,58
